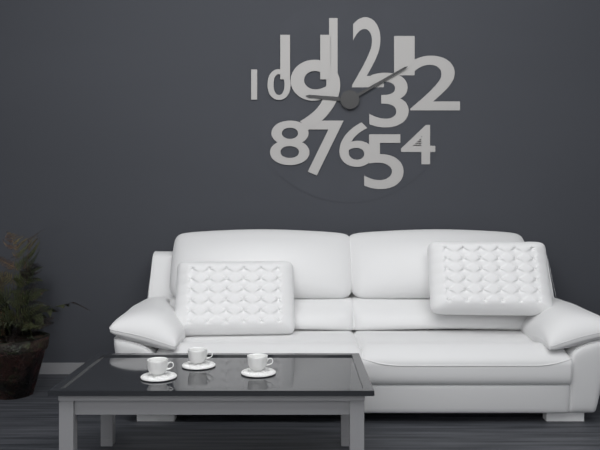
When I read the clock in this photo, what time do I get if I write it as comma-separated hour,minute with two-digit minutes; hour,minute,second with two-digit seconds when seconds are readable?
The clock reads 9,10
